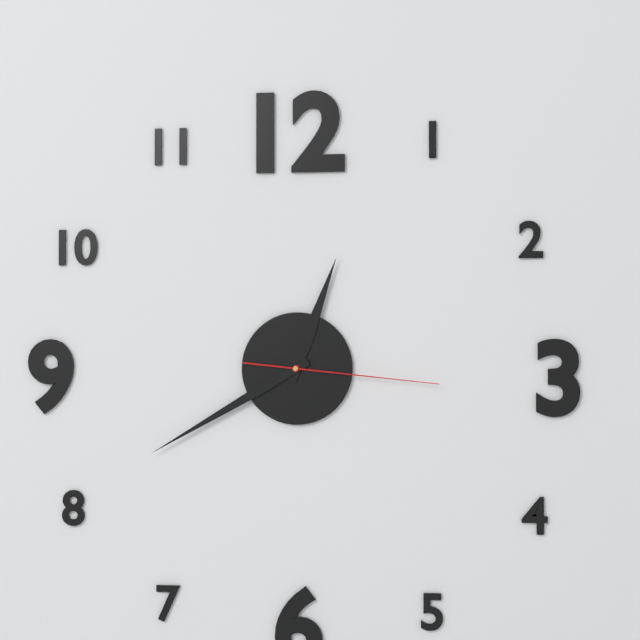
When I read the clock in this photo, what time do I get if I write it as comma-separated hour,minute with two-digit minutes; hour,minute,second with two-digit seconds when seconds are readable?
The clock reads 12,40,16
